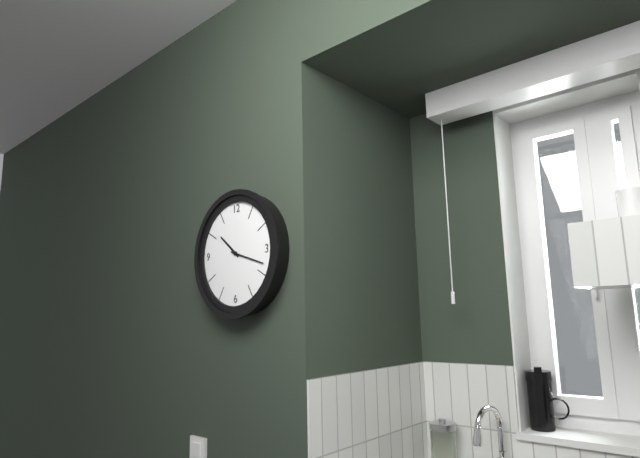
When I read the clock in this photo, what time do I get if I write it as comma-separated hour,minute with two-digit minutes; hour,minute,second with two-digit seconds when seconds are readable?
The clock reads 10,18
